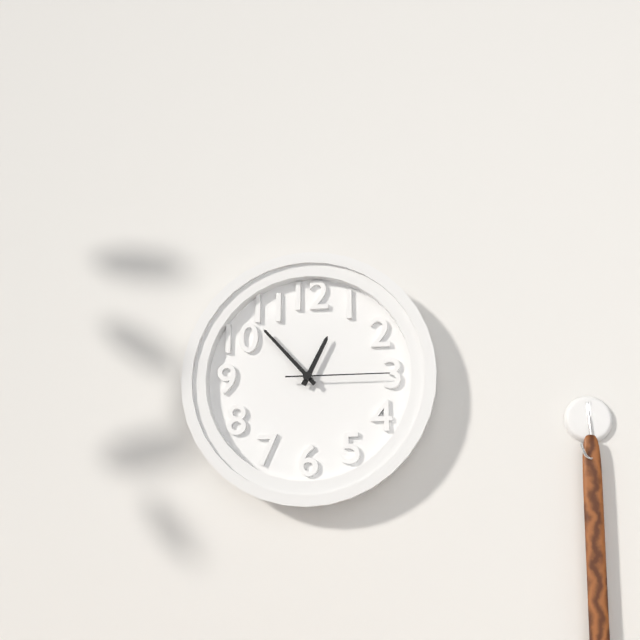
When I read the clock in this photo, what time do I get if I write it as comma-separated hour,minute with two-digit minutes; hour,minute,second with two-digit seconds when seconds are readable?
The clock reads 12,53,15
